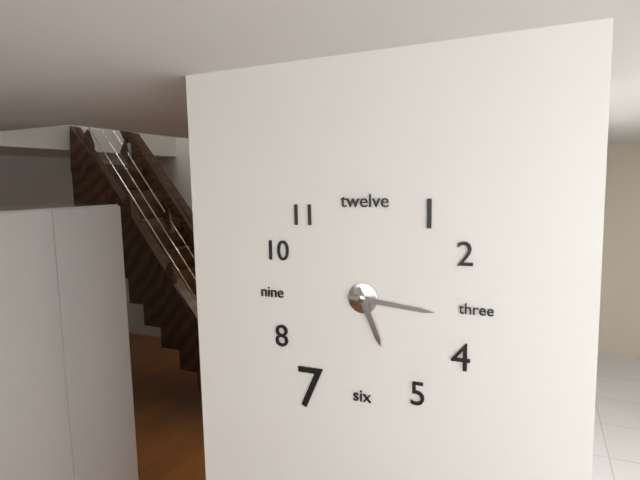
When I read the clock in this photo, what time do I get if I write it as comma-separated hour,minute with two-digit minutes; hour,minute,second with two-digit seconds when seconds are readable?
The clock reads 5,16
